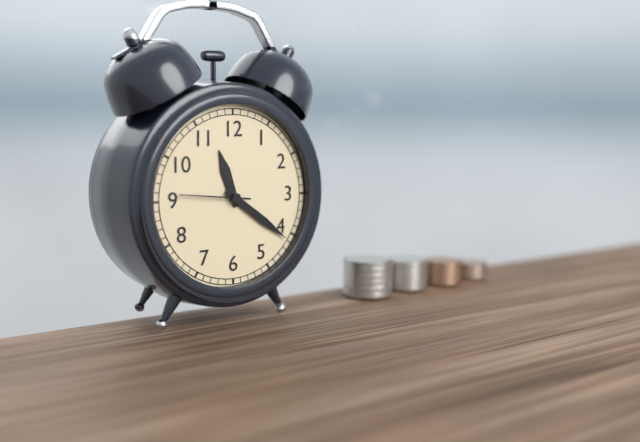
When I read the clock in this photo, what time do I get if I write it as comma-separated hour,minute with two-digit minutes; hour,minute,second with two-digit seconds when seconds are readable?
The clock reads 11,21,46
